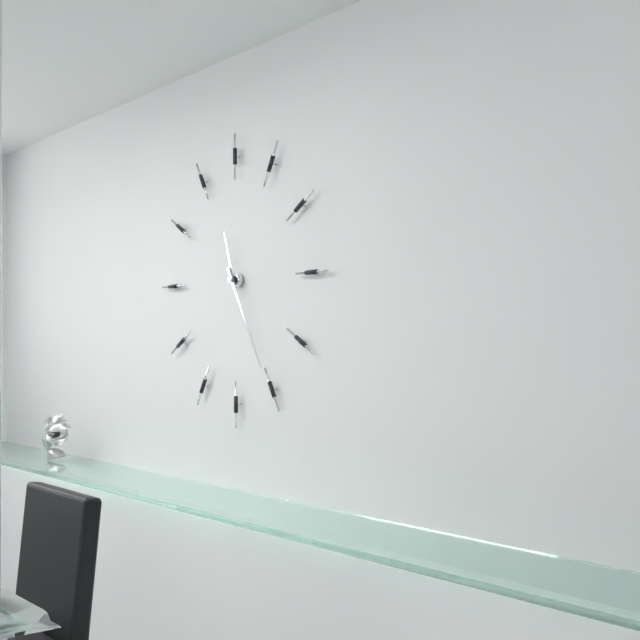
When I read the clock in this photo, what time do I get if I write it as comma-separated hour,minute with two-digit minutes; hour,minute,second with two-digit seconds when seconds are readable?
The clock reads 11,25
